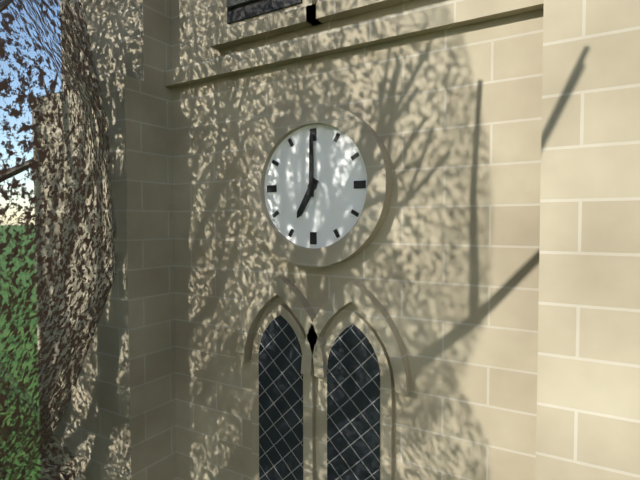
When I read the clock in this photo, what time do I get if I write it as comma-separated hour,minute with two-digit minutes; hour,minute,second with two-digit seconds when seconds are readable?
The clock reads 7,00
